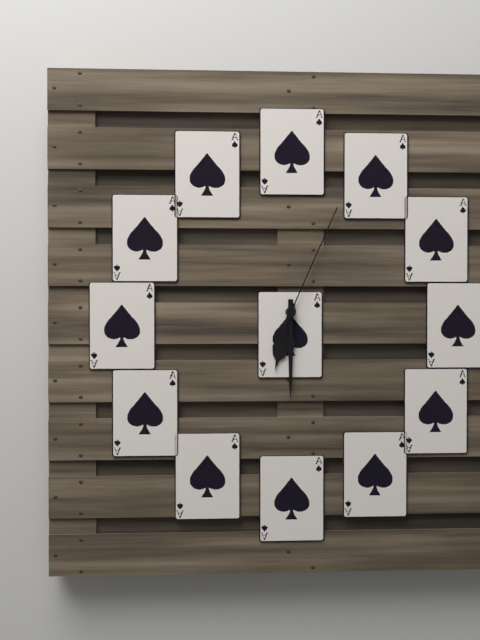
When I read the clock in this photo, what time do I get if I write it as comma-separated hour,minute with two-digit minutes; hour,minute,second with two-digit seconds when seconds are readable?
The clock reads 6,30,04
